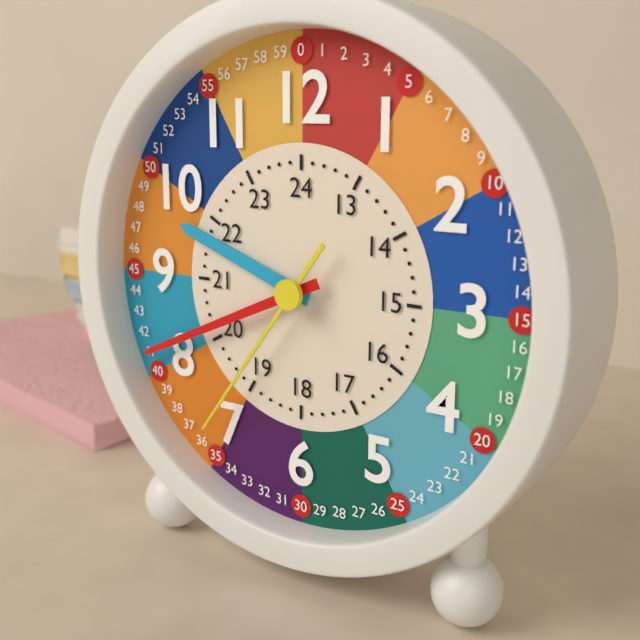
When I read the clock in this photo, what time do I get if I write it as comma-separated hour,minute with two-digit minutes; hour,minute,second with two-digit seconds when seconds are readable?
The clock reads 9,41,36
